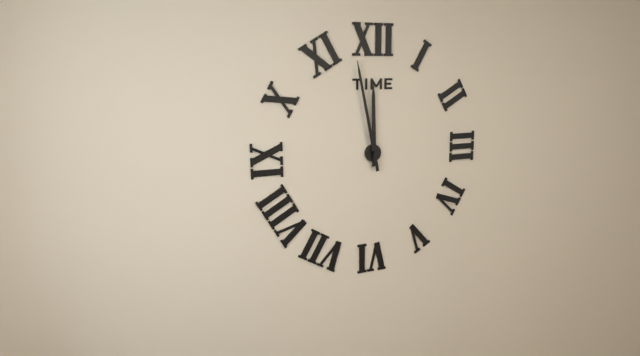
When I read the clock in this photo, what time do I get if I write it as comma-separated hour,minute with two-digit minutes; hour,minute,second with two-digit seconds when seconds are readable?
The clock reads 11,58
